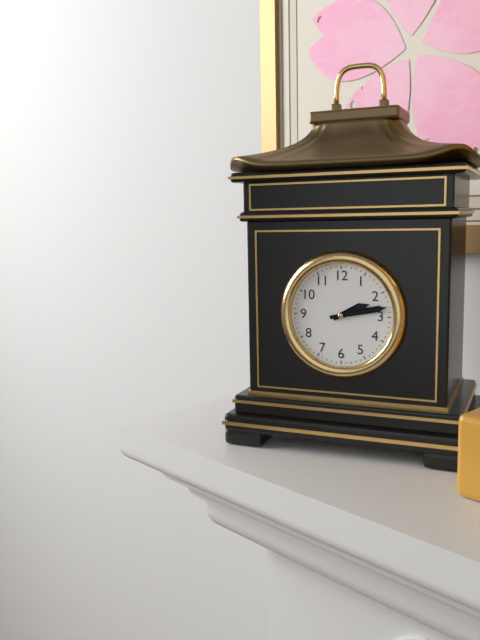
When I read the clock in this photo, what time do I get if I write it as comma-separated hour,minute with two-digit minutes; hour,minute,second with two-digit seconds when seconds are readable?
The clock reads 2,13
